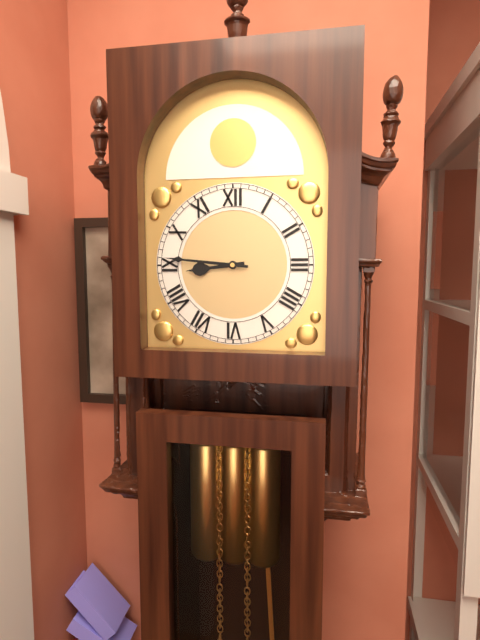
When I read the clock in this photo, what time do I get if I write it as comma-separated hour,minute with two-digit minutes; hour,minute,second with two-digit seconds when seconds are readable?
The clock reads 8,46
